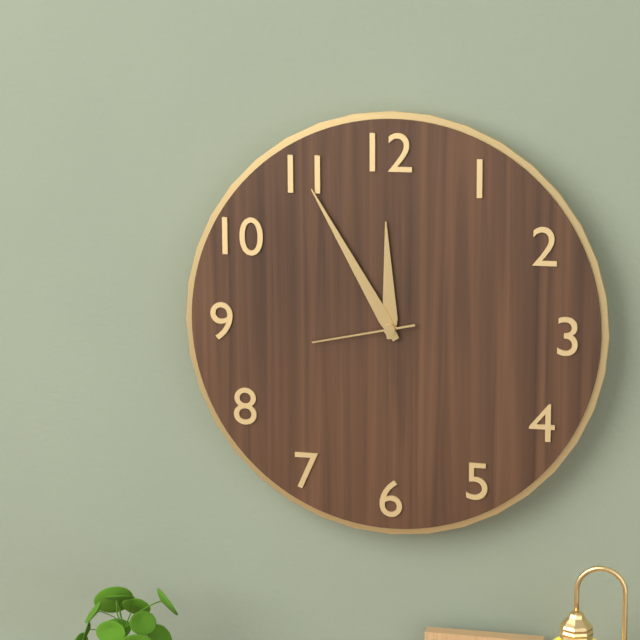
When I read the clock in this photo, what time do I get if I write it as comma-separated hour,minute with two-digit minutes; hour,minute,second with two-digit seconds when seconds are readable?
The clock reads 11,55,43
